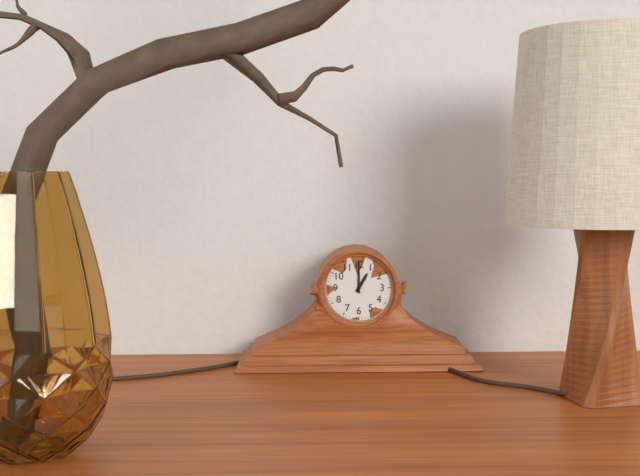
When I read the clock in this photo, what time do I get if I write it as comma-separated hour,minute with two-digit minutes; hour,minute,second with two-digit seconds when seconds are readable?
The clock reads 1,00
